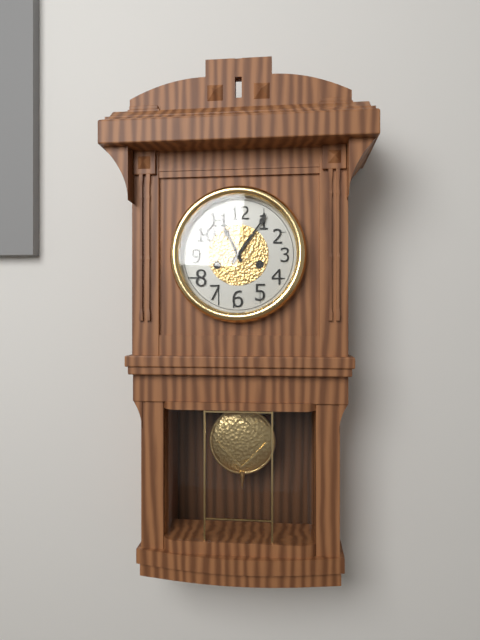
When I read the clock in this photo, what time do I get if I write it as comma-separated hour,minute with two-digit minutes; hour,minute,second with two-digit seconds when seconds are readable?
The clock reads 11,06
